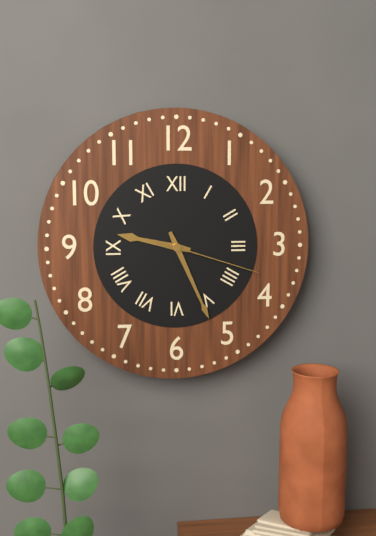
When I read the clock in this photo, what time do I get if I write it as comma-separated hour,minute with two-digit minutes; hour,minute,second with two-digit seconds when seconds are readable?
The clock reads 9,26,18
